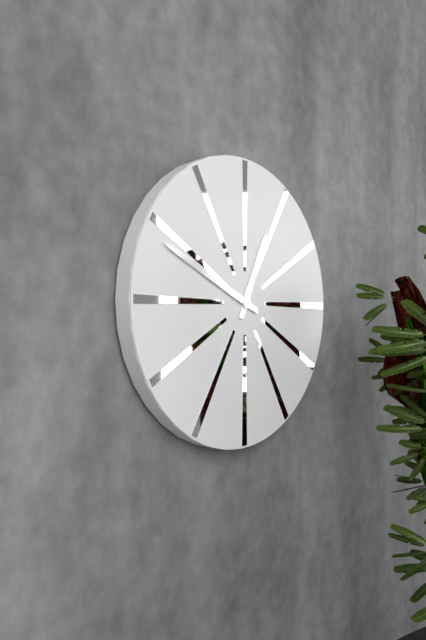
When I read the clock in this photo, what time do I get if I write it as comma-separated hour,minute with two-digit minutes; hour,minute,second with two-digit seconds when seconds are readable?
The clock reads 12,49
